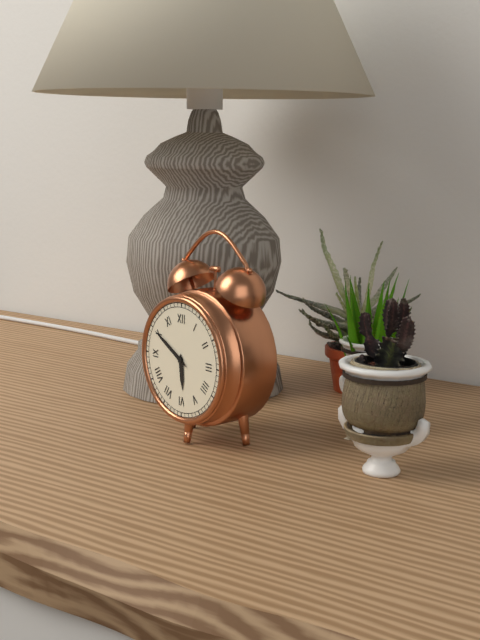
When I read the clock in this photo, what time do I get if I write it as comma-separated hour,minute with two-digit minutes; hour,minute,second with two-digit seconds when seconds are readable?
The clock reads 5,50
